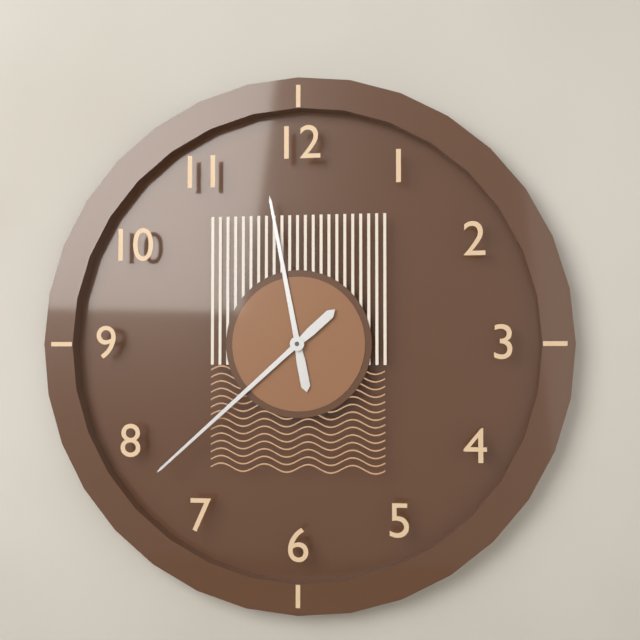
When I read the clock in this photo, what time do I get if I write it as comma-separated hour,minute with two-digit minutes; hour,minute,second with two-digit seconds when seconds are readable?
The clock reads 11,38
